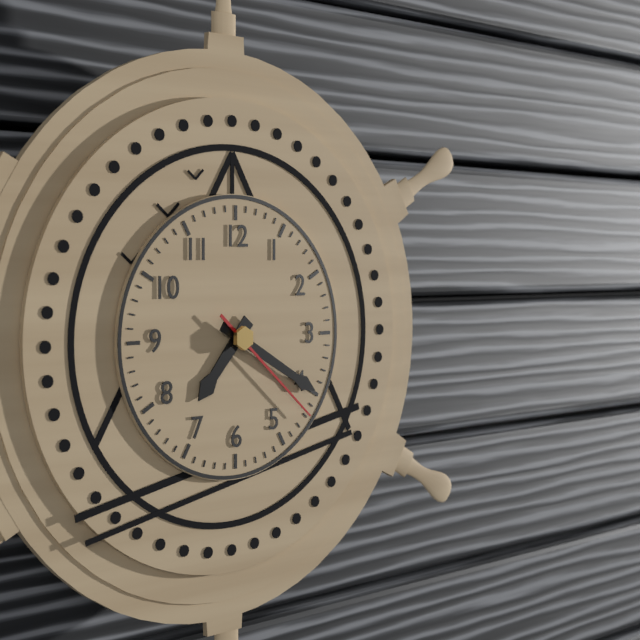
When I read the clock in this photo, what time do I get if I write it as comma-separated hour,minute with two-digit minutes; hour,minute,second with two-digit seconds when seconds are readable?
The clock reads 7,20,22
